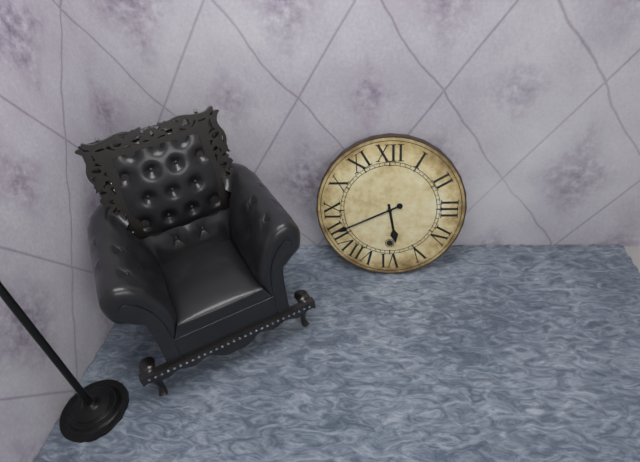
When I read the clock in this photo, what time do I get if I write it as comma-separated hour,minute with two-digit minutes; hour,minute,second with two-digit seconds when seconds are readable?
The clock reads 5,41
